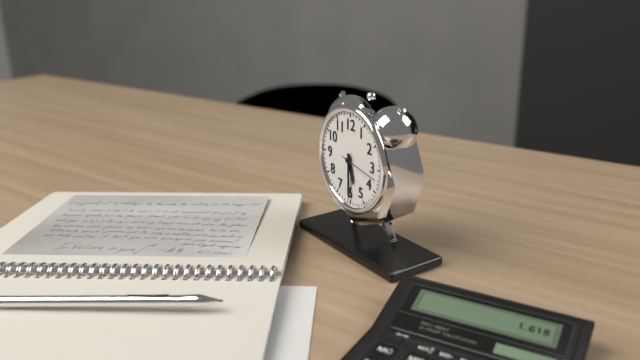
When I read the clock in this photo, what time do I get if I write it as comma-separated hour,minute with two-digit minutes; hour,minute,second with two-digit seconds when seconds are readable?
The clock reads 5,30
